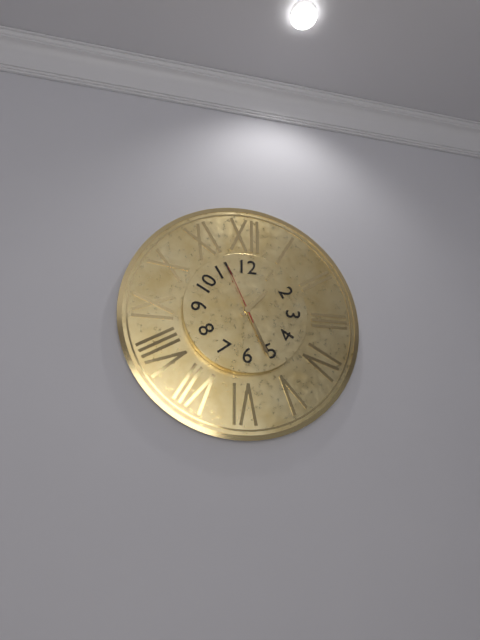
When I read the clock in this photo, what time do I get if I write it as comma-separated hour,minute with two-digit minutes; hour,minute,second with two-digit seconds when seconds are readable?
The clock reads 1,26,56
